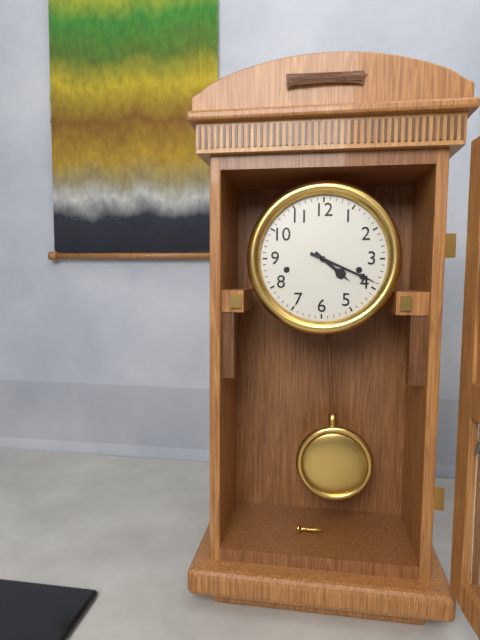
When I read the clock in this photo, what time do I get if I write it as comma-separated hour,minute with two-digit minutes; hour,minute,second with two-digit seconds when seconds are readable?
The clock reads 4,19
